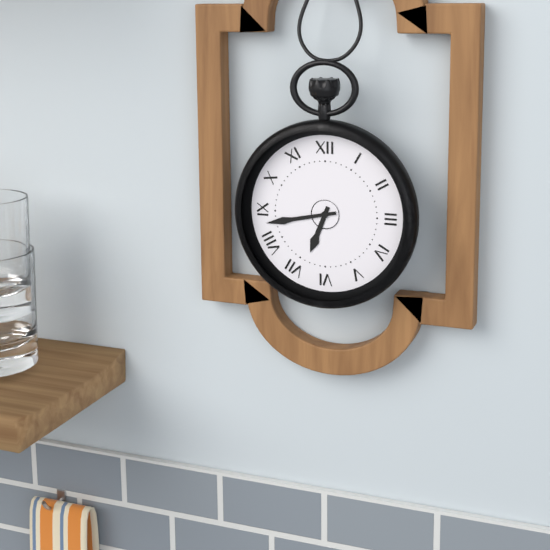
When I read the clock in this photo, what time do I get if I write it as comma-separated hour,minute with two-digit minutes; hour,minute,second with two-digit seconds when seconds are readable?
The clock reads 6,43
